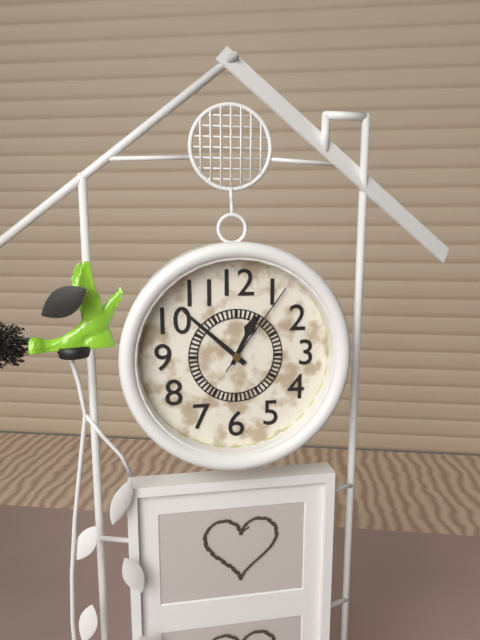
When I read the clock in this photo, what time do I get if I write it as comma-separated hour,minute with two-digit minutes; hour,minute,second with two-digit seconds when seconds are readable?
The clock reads 12,52,06
